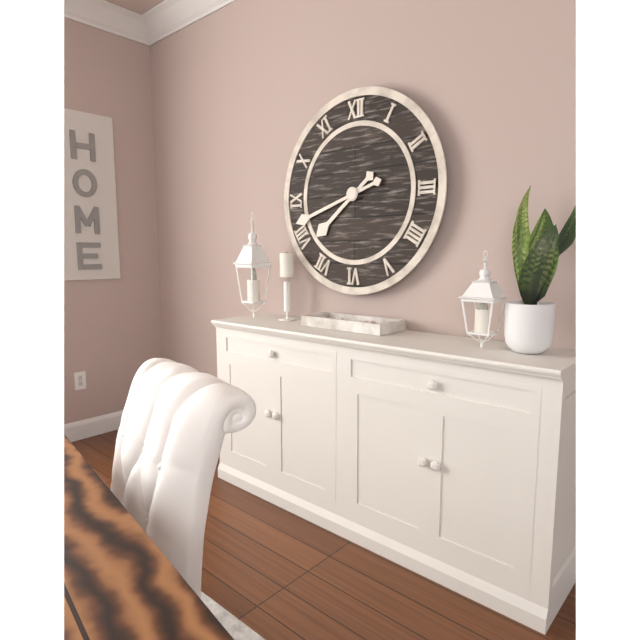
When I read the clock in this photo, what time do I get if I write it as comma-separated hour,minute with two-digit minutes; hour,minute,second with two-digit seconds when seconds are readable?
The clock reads 7,42
